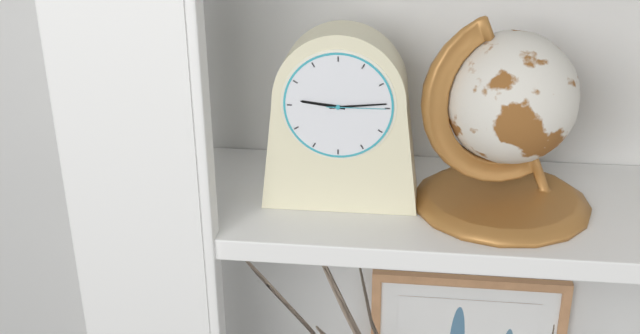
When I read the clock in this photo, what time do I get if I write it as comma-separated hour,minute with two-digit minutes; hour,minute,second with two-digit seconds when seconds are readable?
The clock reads 9,14,15
